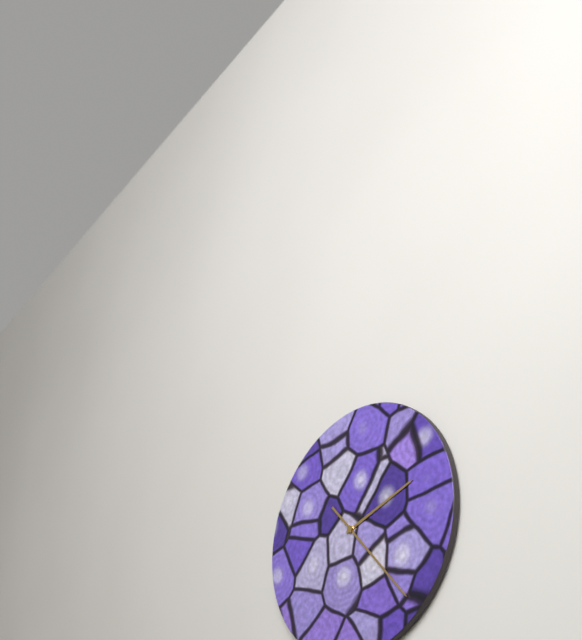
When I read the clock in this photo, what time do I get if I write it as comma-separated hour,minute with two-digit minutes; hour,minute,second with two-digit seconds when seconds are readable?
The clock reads 2,23
